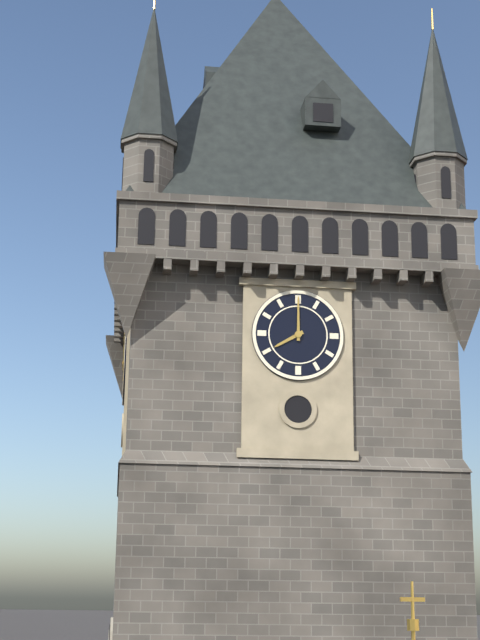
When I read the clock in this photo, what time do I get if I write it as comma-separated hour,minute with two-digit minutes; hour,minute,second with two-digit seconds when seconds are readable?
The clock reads 8,00
